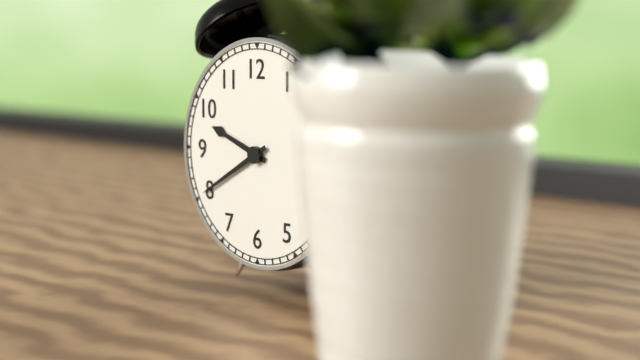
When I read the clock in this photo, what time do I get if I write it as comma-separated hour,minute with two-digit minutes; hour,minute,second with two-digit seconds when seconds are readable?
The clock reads 9,40
